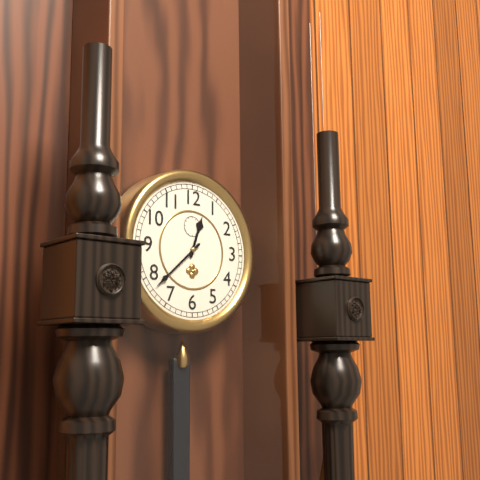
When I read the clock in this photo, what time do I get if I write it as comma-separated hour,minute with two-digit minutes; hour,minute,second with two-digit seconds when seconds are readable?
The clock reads 12,38
